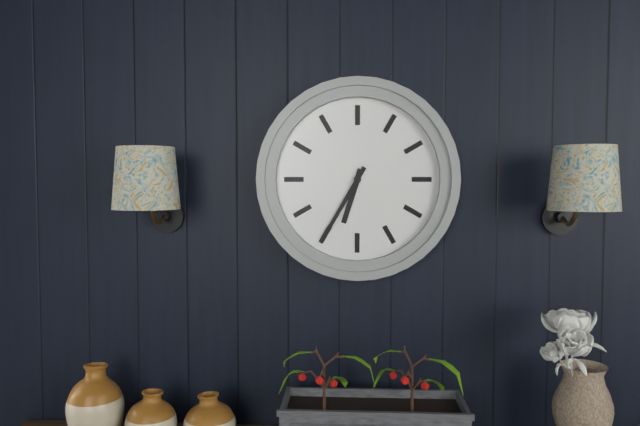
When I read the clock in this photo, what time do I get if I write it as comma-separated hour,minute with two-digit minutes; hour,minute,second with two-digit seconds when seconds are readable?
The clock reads 6,35
